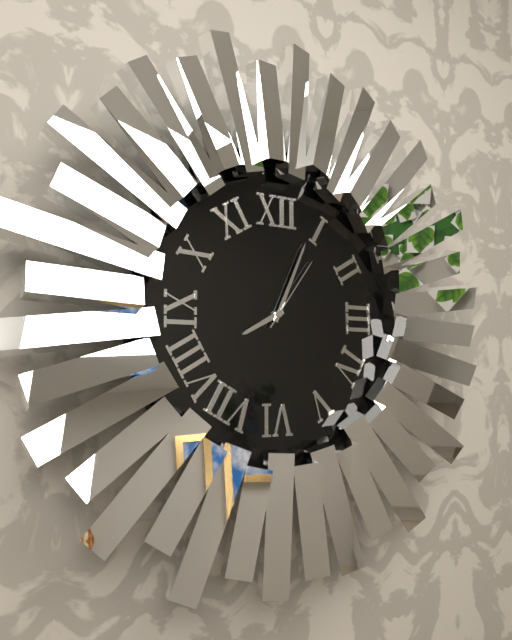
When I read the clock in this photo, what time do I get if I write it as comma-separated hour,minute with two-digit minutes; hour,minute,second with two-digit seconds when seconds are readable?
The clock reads 8,04,06
